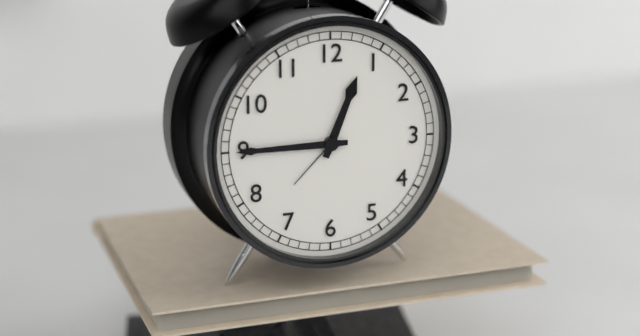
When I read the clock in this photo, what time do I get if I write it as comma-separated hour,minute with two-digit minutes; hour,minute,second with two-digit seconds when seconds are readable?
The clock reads 12,45
